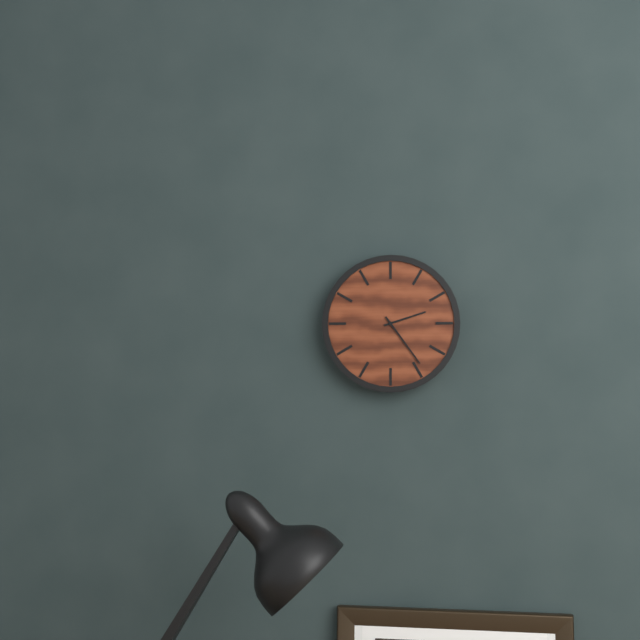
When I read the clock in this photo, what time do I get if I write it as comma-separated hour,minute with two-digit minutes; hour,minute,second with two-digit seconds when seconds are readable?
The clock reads 2,24
